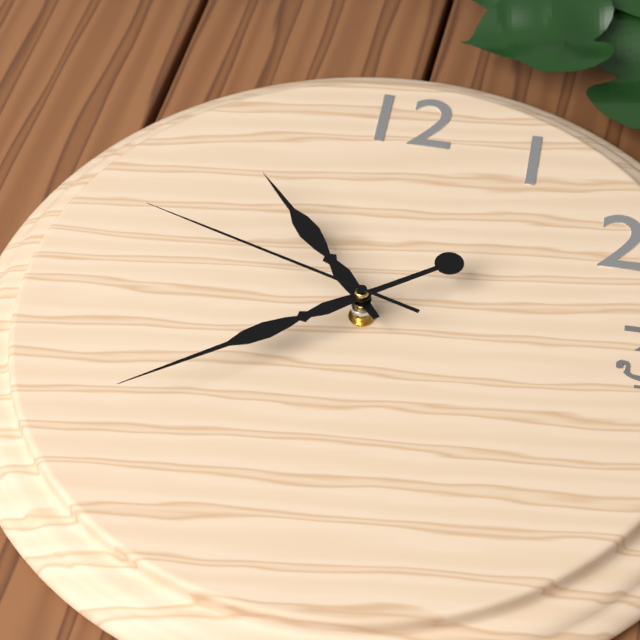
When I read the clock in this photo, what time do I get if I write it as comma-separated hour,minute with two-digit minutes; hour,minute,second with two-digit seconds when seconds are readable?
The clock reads 10,39,48
